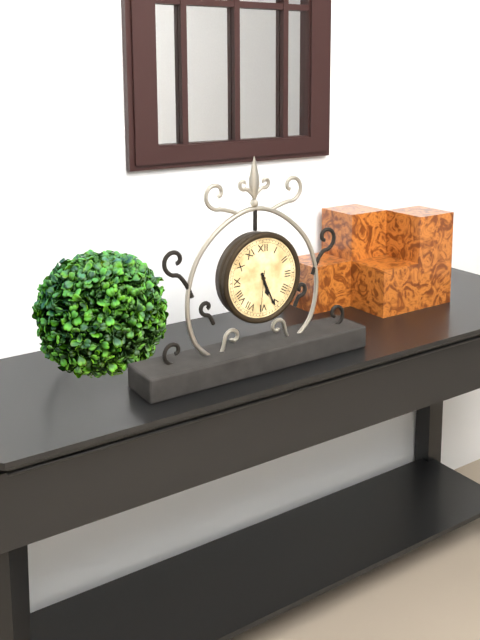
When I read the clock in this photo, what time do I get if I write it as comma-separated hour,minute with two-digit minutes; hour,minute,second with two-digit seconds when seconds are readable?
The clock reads 5,26
